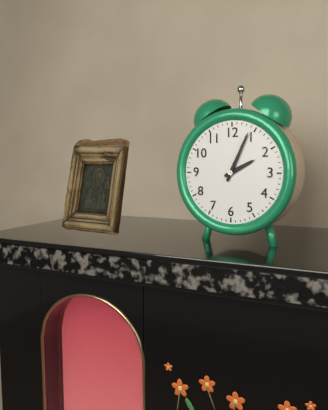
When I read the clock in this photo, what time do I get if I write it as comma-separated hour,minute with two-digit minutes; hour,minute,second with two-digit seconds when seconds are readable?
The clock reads 2,04
